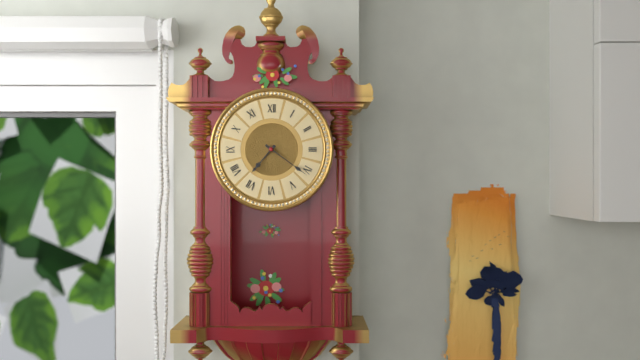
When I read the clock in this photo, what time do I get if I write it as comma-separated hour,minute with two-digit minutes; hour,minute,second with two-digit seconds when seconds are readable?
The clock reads 7,21
